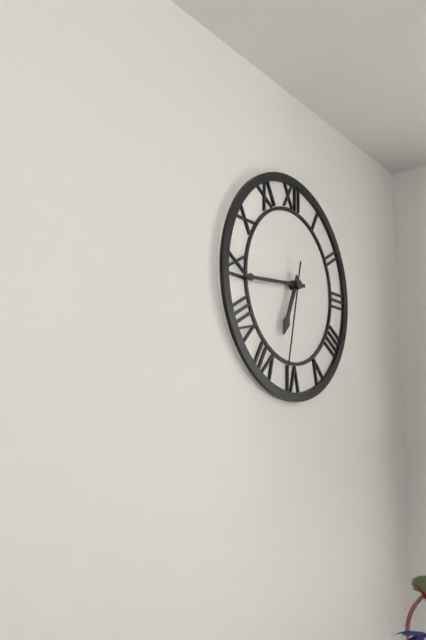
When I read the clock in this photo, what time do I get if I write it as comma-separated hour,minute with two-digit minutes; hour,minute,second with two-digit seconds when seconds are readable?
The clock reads 6,44,32
